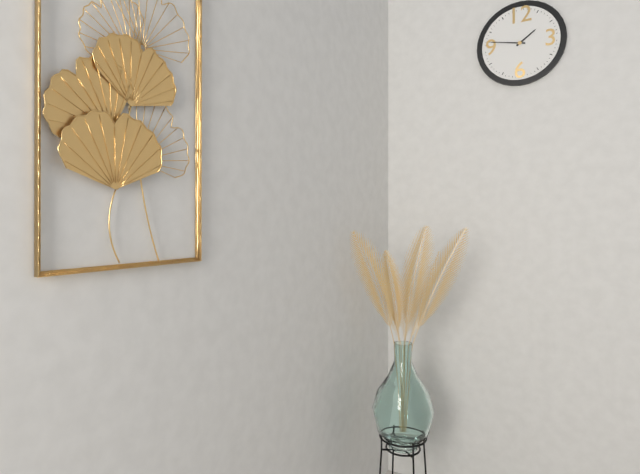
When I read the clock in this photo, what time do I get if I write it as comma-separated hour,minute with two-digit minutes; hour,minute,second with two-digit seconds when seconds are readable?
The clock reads 1,47
